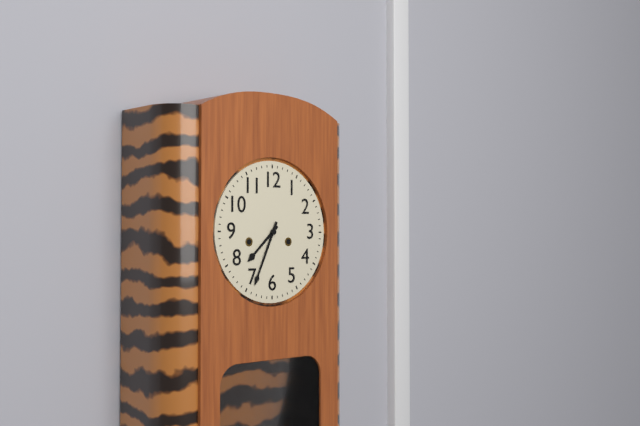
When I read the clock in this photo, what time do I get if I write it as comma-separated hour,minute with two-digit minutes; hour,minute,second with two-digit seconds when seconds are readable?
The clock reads 7,34
